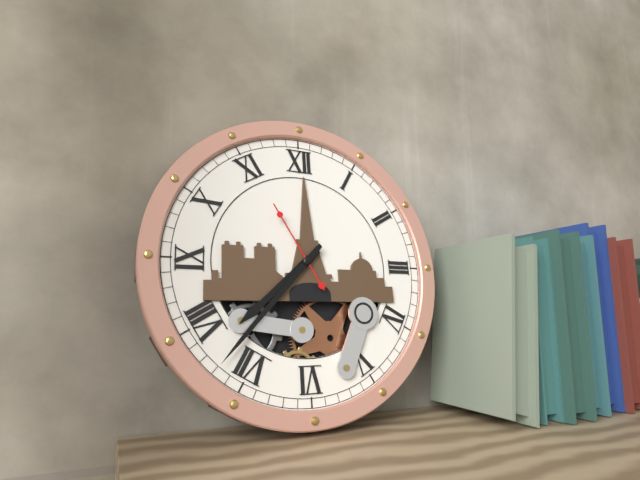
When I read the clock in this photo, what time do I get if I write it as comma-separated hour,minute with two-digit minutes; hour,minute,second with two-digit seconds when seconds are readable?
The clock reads 7,37,55
